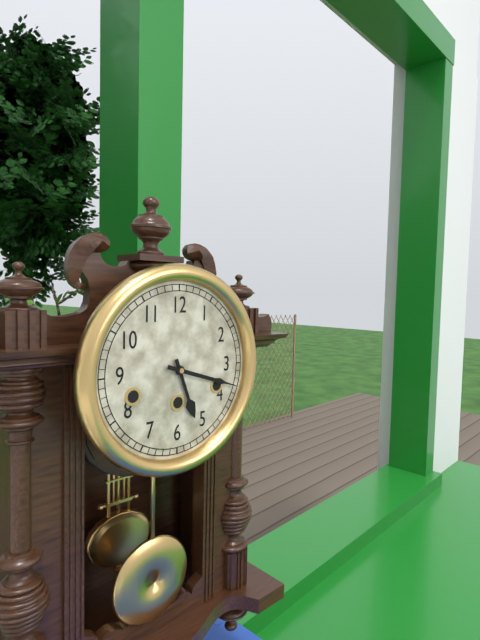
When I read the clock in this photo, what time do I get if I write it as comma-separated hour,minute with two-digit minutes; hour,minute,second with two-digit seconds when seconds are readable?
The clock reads 5,18
